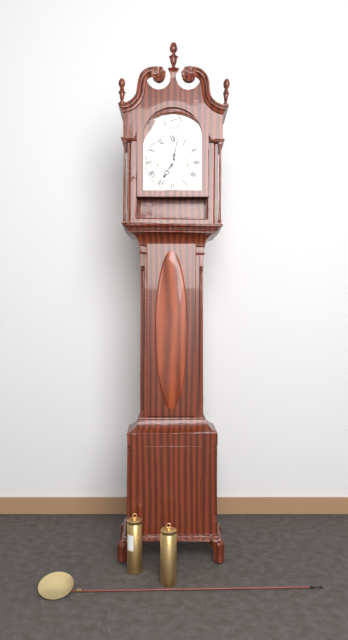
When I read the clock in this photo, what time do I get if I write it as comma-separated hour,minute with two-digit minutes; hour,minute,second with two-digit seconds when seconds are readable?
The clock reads 7,02
